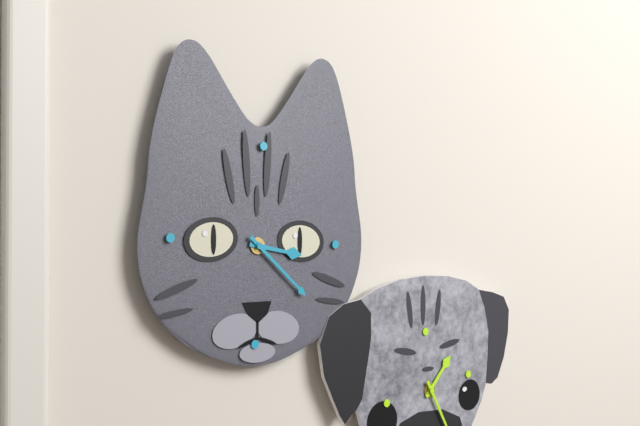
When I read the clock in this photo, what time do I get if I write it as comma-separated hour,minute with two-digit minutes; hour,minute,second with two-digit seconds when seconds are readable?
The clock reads 3,22
